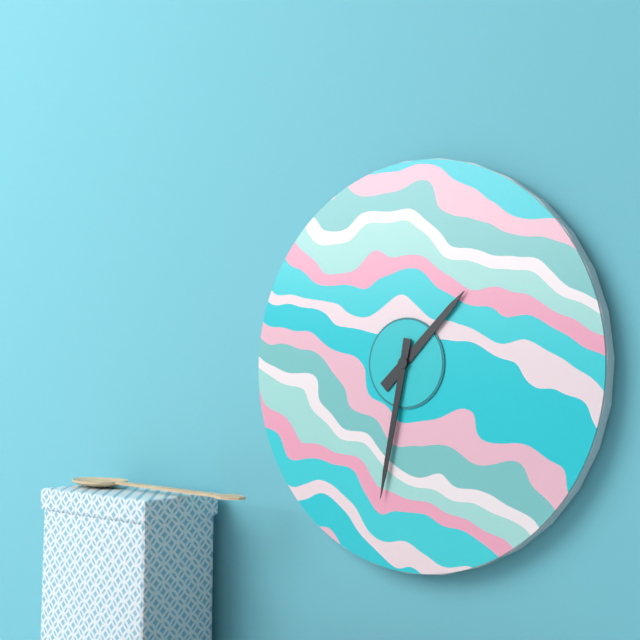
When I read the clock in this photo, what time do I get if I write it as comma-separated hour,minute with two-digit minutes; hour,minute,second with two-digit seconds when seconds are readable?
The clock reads 1,32
